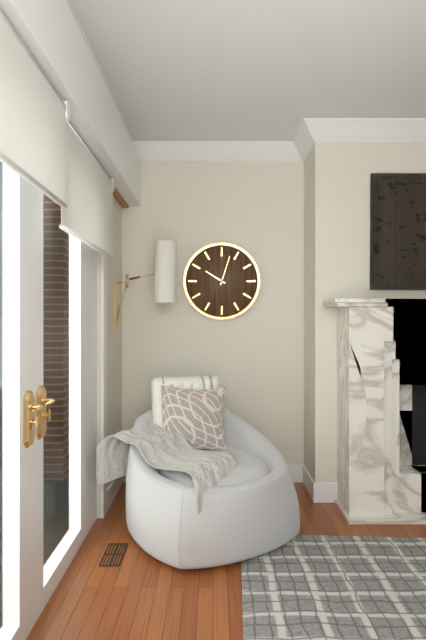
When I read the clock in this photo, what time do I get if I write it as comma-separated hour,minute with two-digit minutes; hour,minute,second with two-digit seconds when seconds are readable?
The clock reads 10,03
